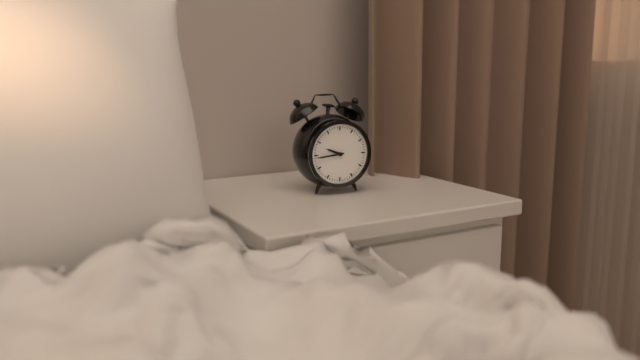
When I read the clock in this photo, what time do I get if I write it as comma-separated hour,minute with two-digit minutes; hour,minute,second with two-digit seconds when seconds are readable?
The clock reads 9,44
